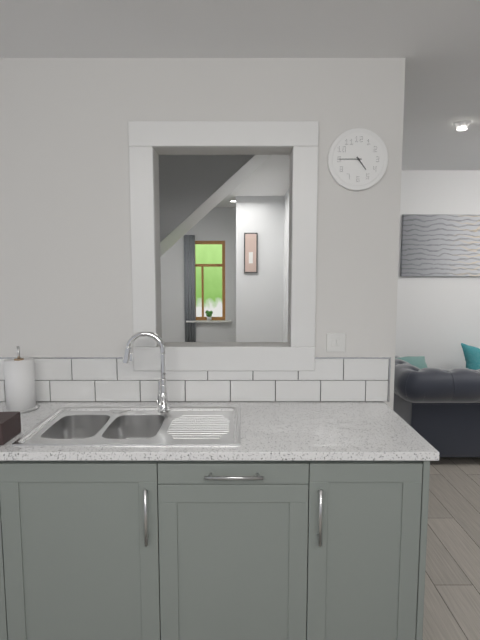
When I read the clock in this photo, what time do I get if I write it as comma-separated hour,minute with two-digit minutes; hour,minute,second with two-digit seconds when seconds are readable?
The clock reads 4,45
